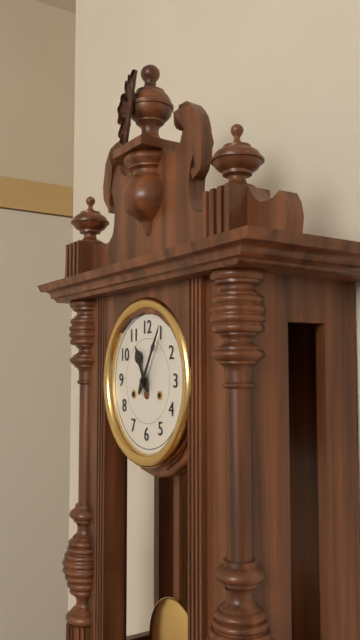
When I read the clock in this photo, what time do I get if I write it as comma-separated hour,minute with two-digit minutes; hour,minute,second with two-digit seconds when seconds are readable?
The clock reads 11,05
